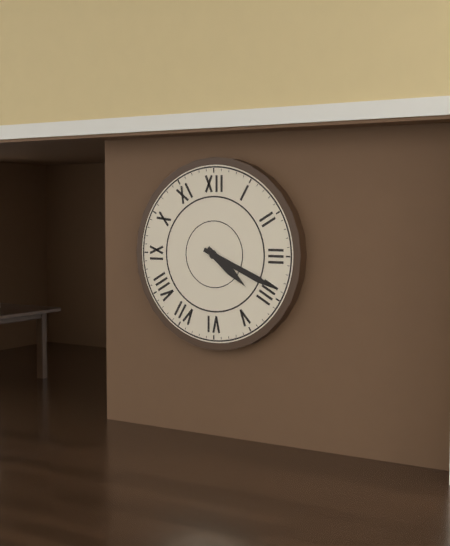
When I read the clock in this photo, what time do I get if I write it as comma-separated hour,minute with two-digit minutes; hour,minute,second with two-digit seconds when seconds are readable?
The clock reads 4,19
